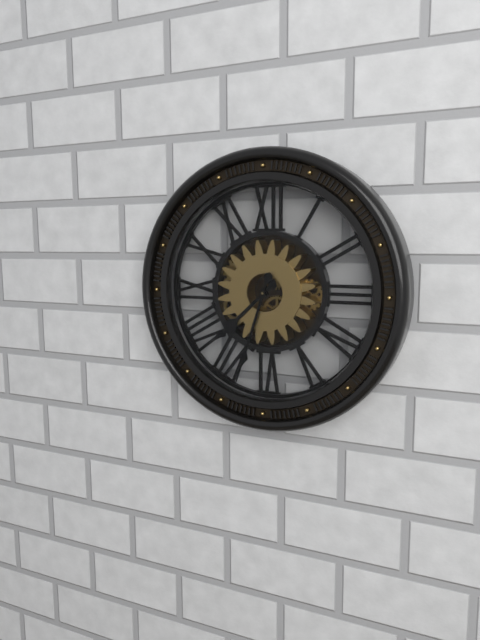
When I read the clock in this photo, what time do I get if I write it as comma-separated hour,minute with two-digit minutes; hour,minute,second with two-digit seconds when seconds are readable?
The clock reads 7,33
